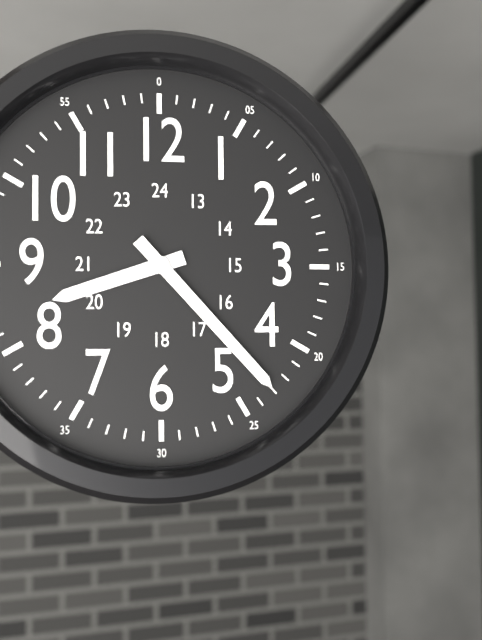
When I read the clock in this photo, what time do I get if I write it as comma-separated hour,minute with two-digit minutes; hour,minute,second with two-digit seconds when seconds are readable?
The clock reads 8,23
